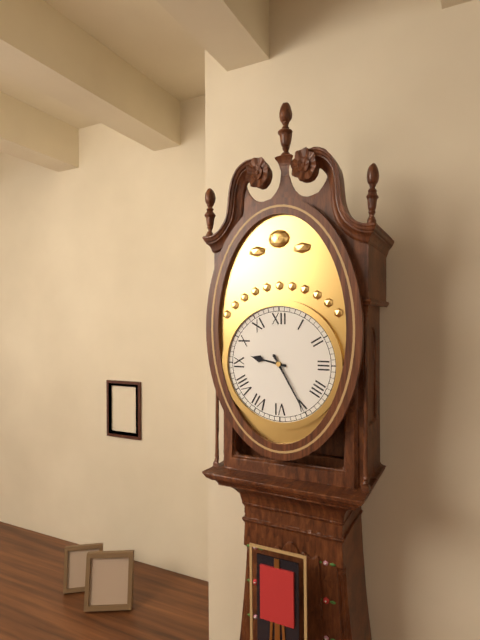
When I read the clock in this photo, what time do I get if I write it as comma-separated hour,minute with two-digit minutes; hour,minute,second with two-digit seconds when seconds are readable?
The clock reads 9,25
